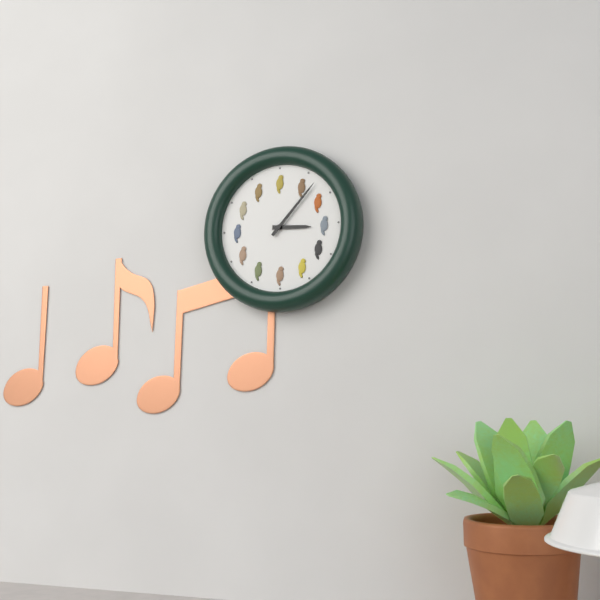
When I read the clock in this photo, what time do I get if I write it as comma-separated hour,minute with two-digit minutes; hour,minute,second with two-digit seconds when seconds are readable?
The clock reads 3,07
